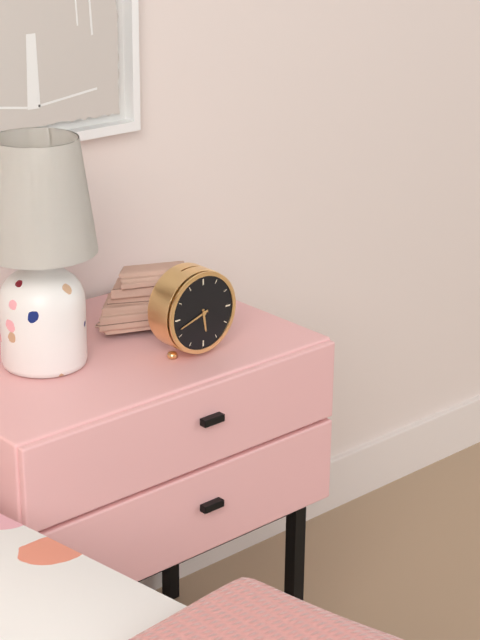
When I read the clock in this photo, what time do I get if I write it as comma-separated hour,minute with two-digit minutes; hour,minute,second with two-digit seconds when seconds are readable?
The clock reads 5,42
